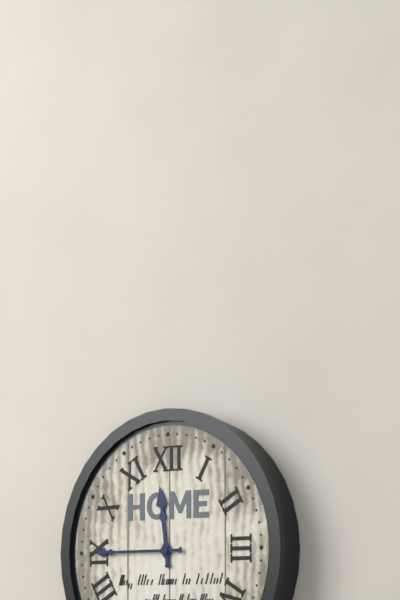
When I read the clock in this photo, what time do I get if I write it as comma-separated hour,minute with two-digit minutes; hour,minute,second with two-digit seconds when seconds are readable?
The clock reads 11,45
